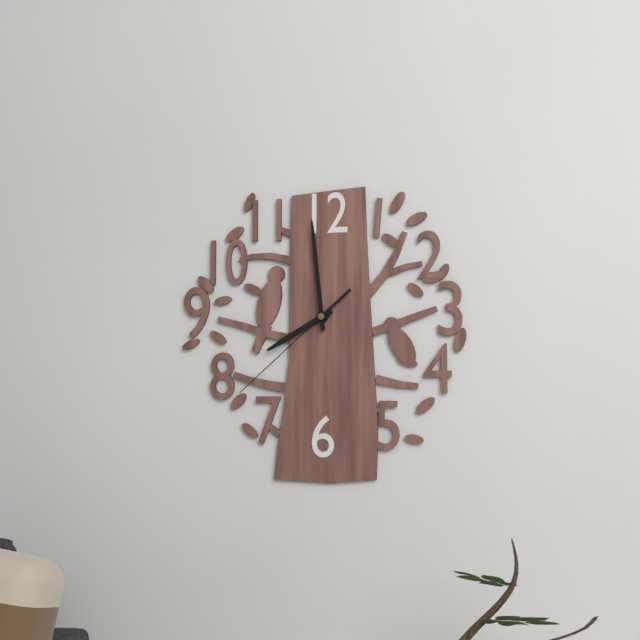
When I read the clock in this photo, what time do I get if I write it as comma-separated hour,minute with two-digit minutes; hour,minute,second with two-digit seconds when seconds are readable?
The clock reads 7,59,38
